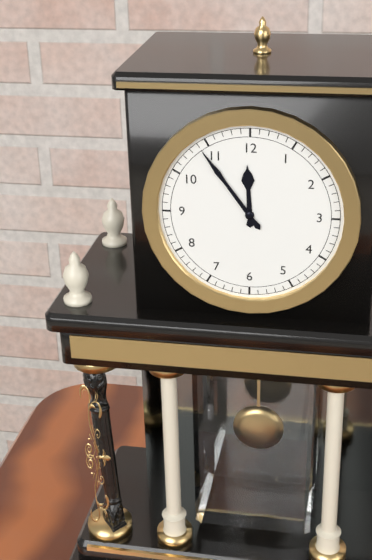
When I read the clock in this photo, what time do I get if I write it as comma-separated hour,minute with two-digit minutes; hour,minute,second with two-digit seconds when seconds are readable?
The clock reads 11,54
